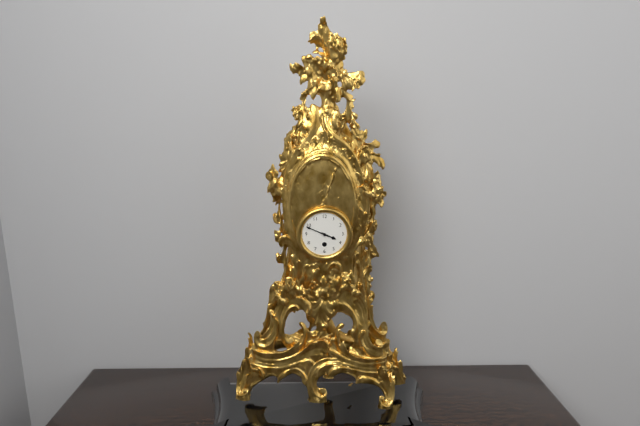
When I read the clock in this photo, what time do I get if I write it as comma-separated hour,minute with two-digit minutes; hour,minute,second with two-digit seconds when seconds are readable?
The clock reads 3,49
